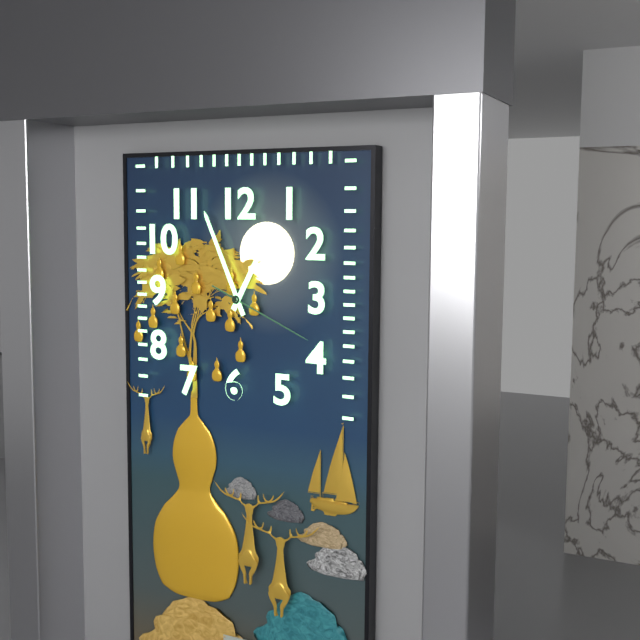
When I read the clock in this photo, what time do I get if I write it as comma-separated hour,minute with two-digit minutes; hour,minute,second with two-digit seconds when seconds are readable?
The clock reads 12,56,19
